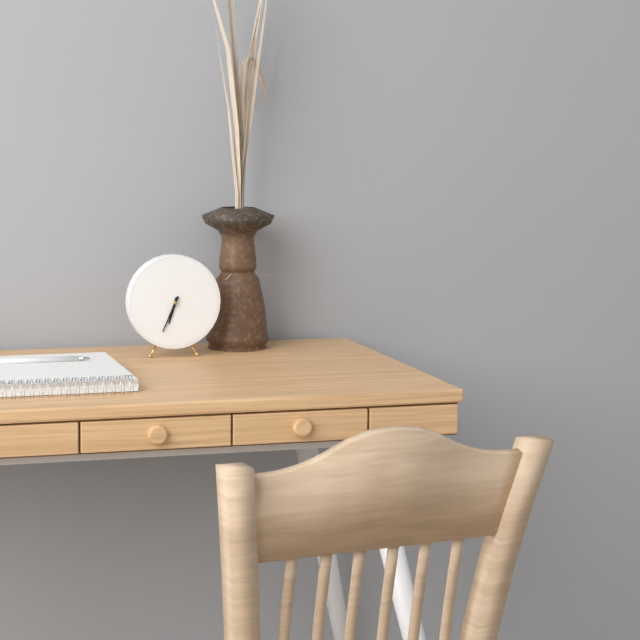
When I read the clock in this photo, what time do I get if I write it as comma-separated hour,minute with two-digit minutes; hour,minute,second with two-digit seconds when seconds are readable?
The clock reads 6,34
